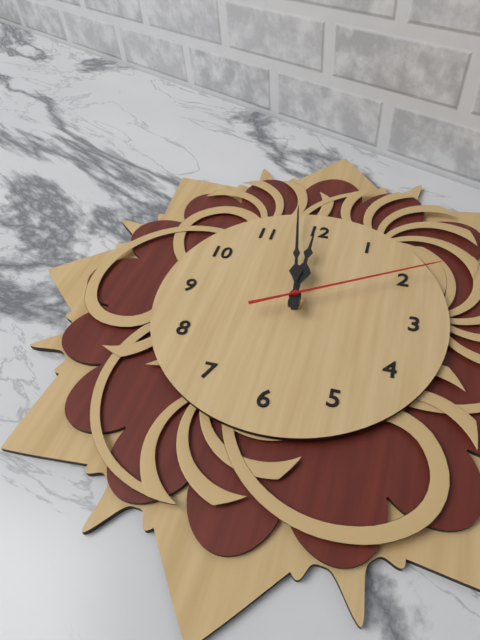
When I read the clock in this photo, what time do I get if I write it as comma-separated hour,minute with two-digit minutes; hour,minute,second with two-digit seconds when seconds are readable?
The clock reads 11,58,10
